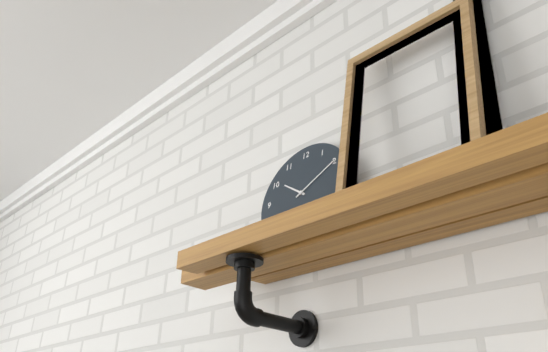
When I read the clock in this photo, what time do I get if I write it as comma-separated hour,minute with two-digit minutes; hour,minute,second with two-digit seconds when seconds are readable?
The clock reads 10,10
